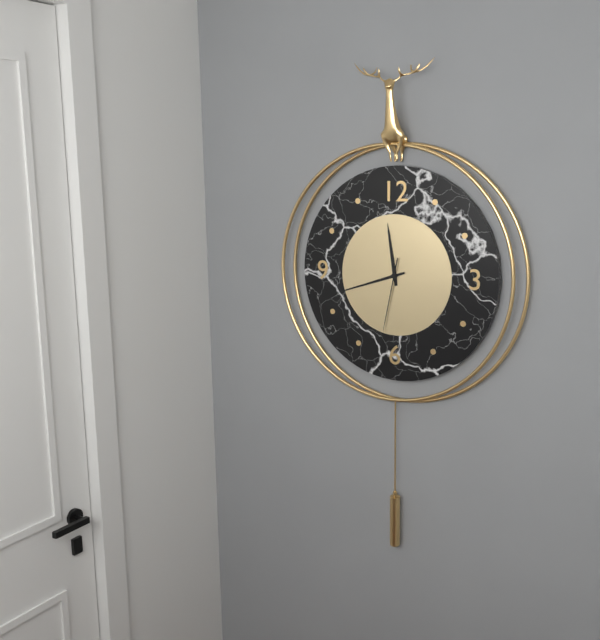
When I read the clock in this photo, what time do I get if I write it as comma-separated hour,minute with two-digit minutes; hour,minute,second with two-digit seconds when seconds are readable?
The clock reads 11,42,32
